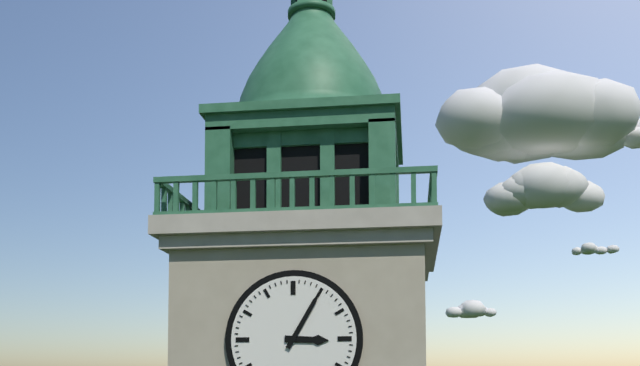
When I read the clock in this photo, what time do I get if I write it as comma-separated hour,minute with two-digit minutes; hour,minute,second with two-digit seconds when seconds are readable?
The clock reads 3,05
